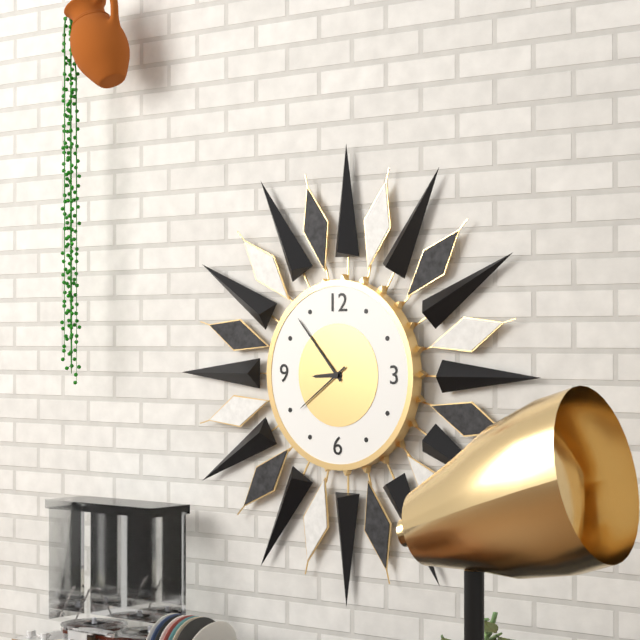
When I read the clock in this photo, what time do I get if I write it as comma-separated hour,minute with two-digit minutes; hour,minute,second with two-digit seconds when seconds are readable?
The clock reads 8,53,39
